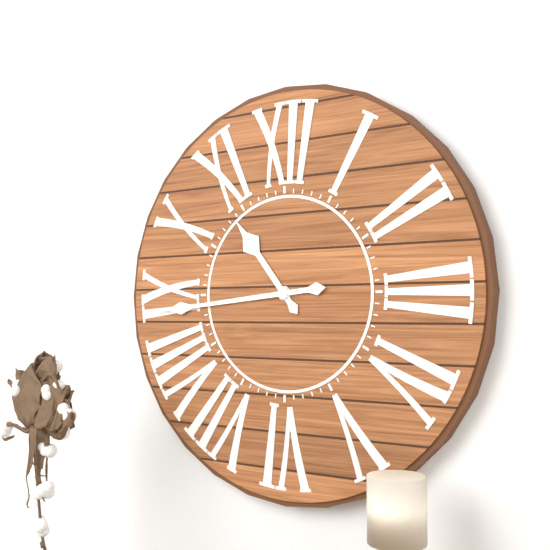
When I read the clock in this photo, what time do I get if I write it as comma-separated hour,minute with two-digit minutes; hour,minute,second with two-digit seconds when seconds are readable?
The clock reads 10,44
